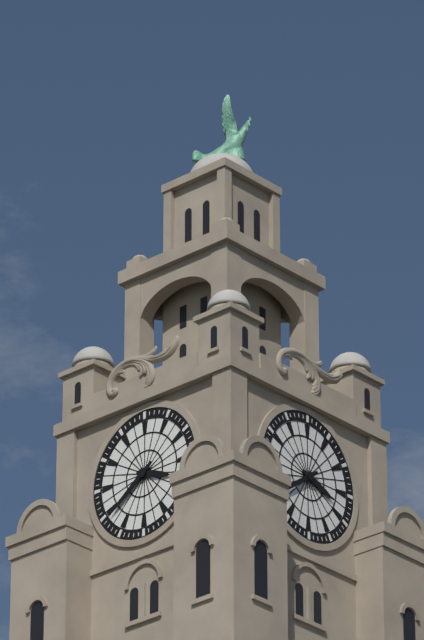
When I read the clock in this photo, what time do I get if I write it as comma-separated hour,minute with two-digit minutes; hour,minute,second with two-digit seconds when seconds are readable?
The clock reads 3,39
